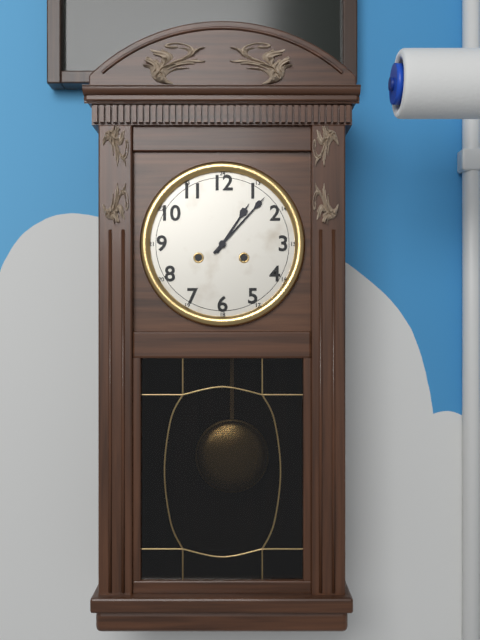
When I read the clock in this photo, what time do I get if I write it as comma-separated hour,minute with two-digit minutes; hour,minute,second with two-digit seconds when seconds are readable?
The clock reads 1,07
